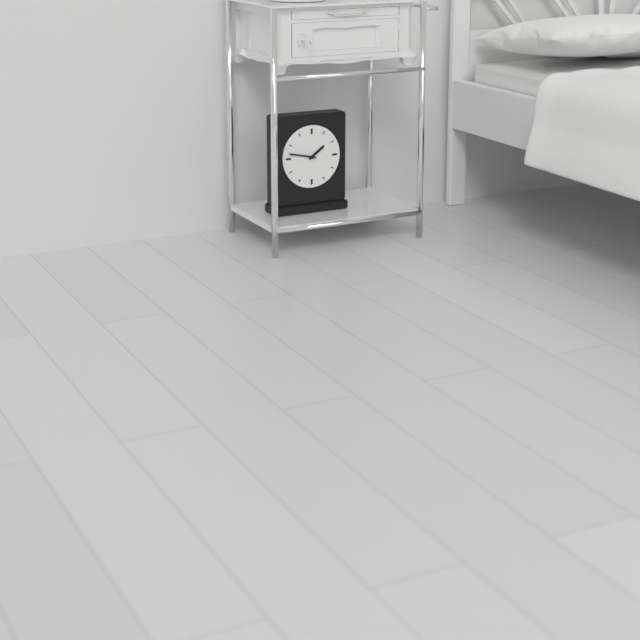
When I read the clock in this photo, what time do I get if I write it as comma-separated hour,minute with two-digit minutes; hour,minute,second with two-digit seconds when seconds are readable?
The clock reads 1,47
